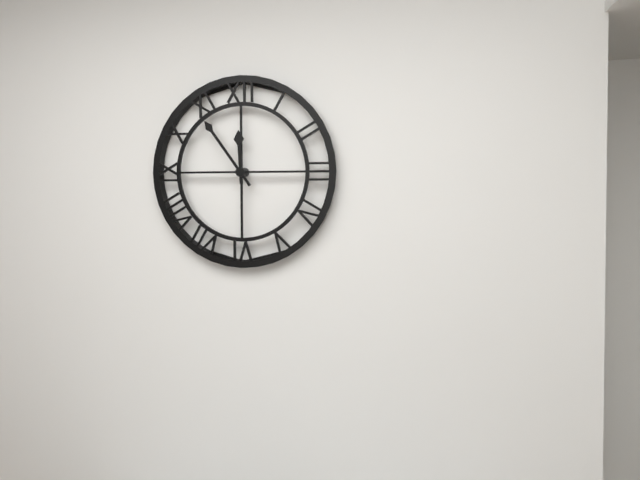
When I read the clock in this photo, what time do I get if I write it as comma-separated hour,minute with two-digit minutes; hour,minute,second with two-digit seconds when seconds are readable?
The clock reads 11,54
